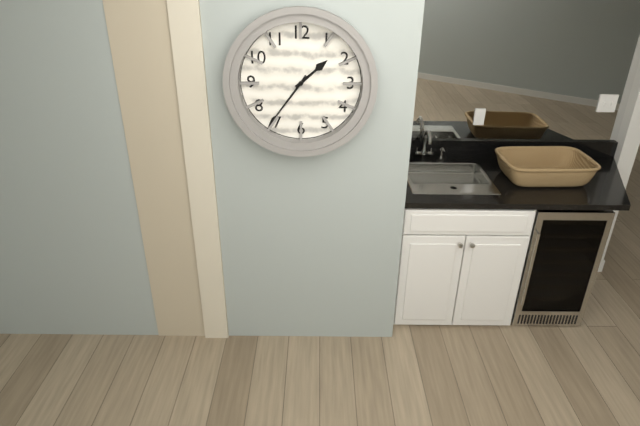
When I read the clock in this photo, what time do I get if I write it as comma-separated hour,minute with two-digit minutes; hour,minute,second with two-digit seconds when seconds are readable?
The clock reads 1,36
